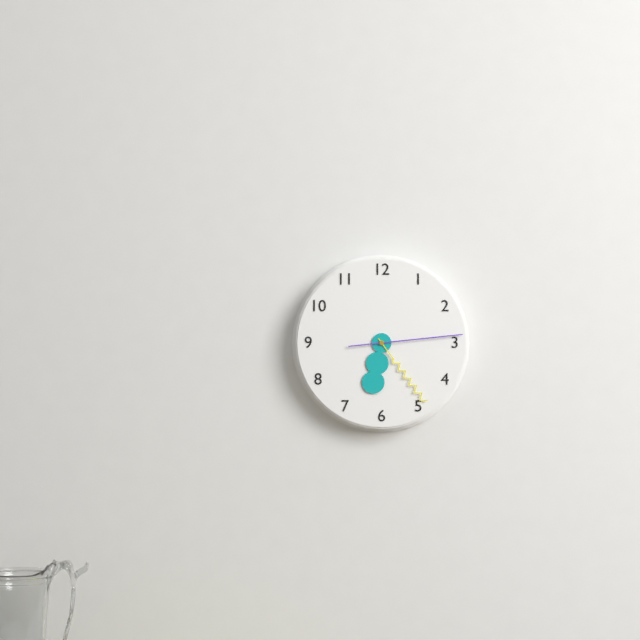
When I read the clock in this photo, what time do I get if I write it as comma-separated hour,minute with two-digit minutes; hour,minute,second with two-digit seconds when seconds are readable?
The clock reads 6,24,14
